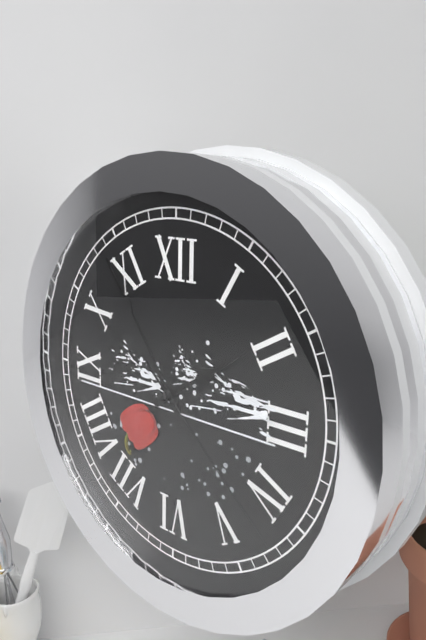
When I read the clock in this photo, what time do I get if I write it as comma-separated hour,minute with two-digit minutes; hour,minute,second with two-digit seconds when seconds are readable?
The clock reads 1,54,22
